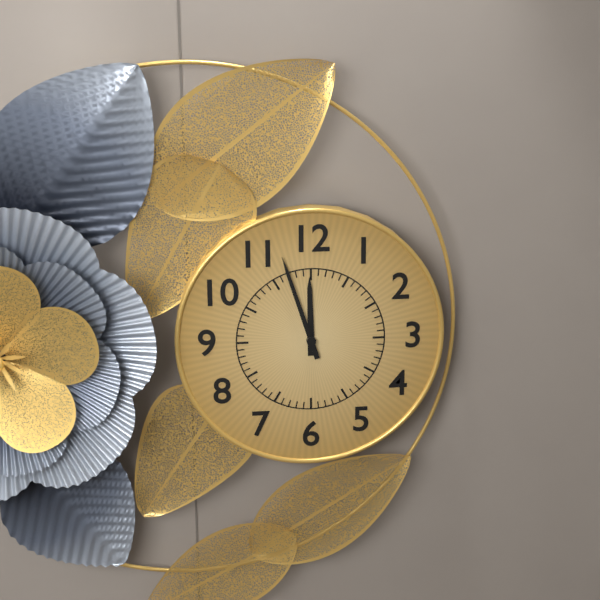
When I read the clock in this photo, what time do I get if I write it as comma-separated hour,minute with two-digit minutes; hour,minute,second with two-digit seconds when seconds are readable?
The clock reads 11,57
